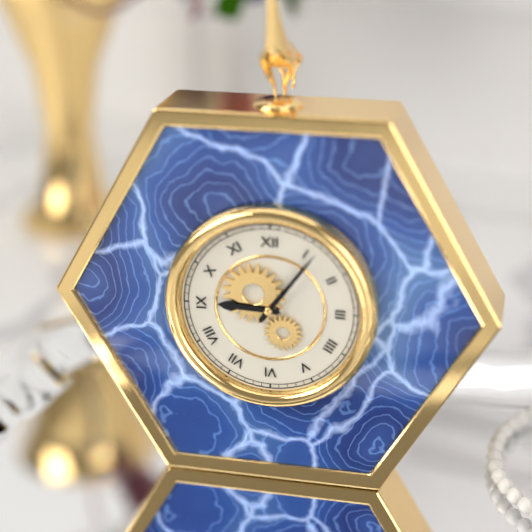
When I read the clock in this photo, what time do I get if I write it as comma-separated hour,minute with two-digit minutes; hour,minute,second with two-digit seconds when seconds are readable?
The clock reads 9,06
